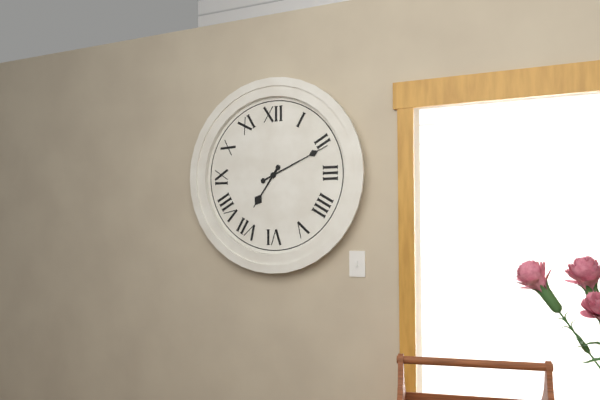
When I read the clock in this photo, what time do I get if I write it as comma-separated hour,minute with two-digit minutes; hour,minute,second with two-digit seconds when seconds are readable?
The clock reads 7,11
